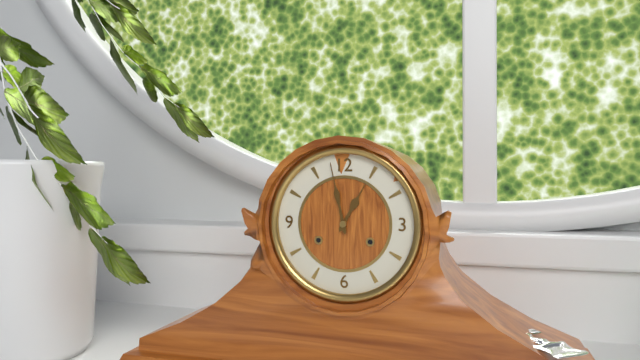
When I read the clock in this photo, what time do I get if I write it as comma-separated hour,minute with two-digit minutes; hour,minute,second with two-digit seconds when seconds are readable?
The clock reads 12,58
